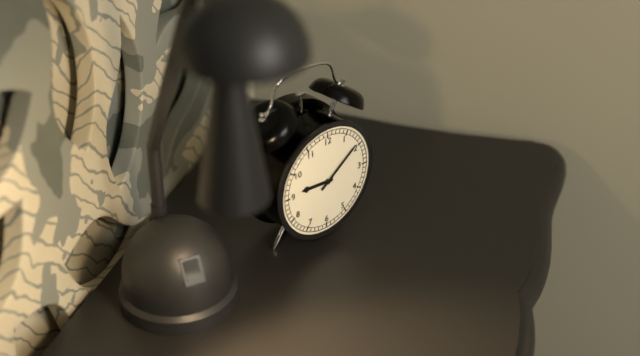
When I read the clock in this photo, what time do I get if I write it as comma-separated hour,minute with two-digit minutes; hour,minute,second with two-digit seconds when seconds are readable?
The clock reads 9,09
